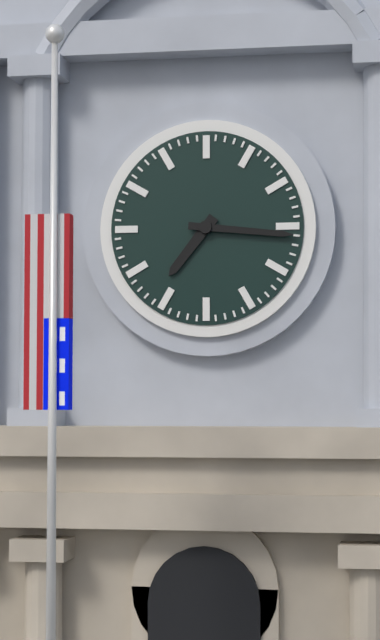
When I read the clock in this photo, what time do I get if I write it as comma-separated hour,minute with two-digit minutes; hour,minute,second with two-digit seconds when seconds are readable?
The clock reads 7,16
